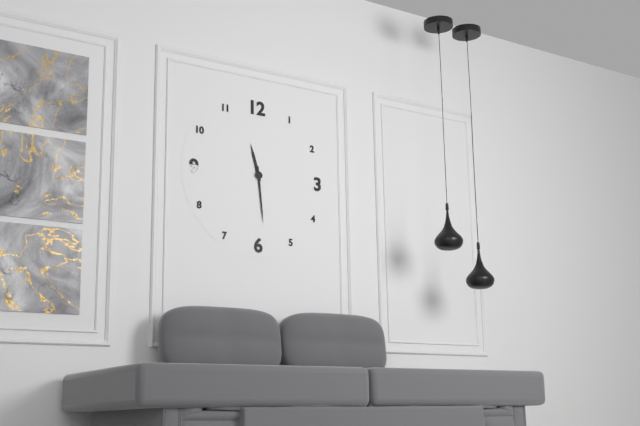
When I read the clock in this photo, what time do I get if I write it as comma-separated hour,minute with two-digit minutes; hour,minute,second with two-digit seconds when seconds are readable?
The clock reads 11,29
